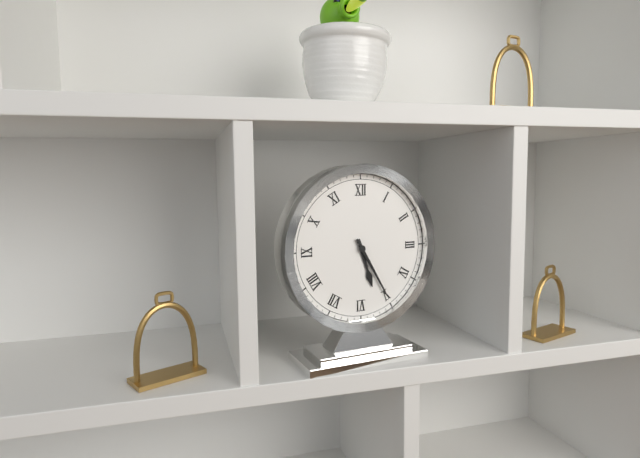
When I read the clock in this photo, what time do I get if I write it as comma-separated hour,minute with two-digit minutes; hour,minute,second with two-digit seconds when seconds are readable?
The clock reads 5,25
